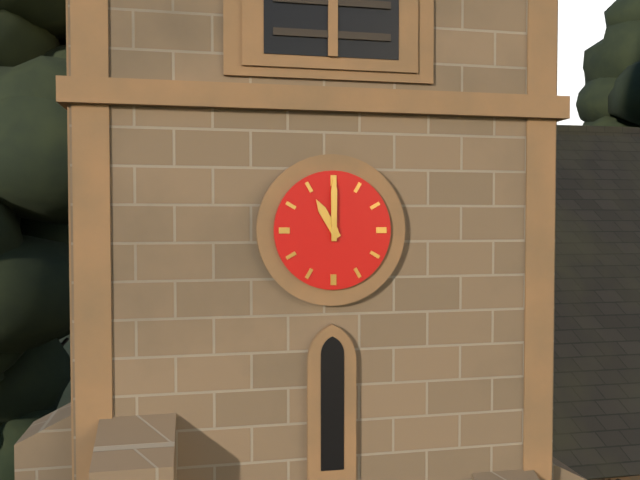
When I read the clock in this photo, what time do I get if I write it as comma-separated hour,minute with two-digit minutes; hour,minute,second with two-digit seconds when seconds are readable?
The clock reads 11,00
